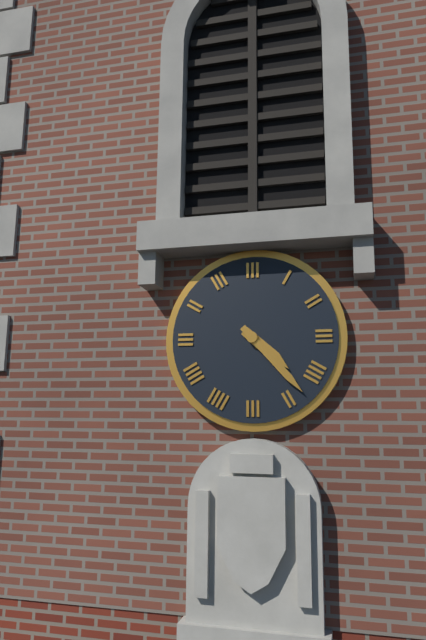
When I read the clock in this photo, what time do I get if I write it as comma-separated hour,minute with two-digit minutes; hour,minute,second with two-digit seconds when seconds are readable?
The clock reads 4,23
